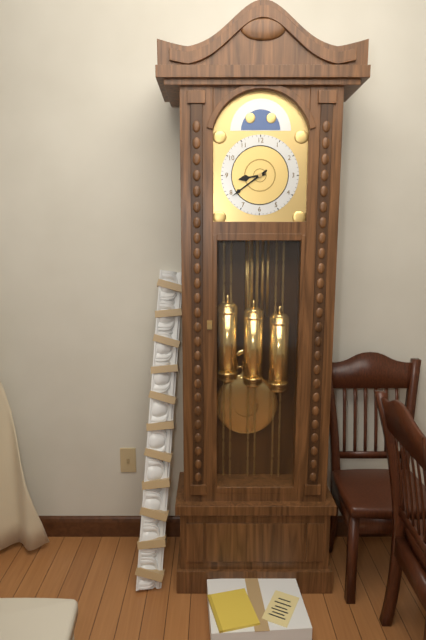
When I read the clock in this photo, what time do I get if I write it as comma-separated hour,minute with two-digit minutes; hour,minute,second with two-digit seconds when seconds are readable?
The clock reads 8,39
